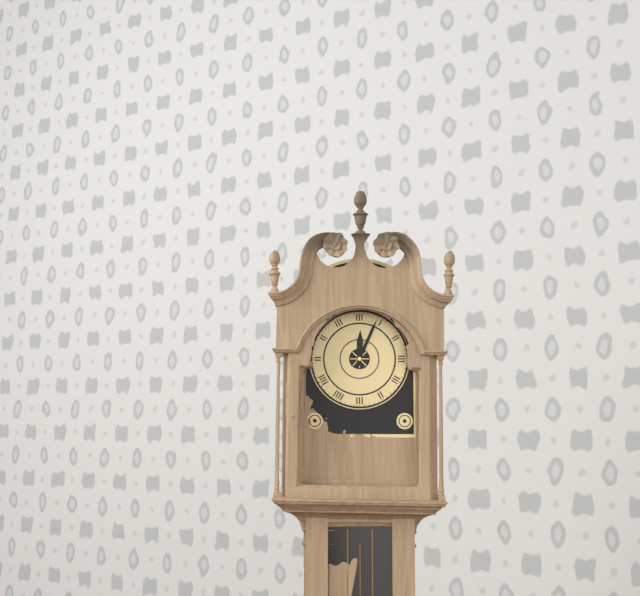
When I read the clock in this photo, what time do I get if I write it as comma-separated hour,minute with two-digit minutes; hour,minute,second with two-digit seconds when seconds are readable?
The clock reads 12,04
